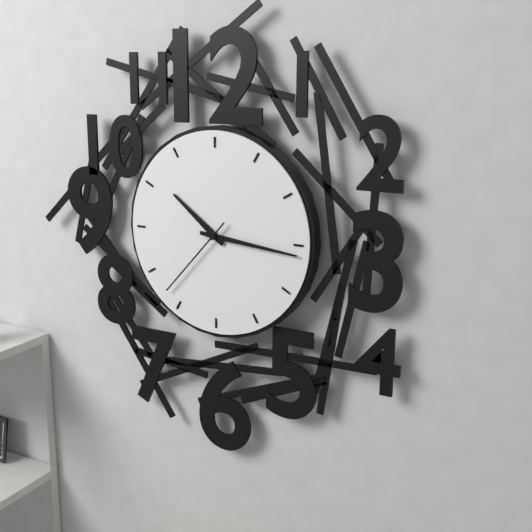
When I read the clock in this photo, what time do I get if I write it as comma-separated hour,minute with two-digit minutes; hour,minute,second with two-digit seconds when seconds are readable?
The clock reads 10,16,37
